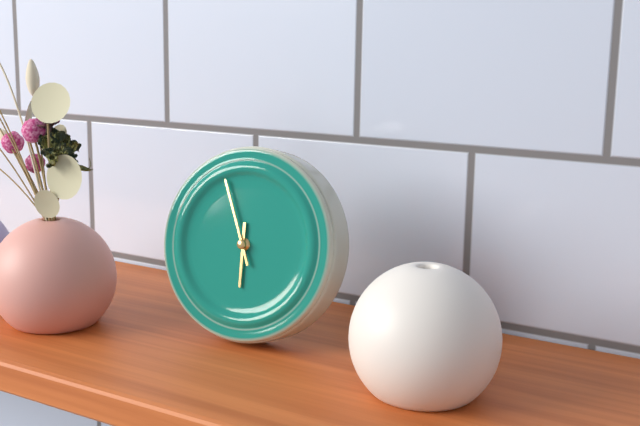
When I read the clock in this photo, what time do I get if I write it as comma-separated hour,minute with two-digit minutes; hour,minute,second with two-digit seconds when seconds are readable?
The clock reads 5,56
